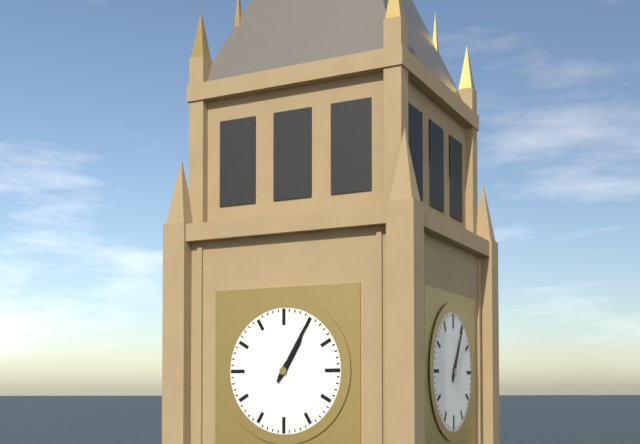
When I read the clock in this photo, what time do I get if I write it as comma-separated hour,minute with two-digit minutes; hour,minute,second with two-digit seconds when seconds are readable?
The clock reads 1,05
